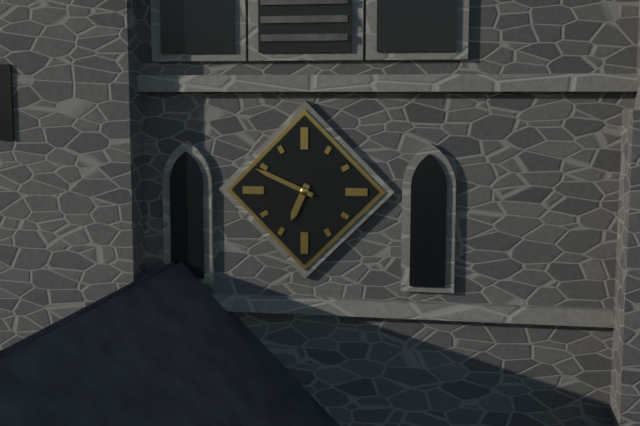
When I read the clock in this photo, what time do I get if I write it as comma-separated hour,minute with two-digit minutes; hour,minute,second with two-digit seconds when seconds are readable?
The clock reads 6,49
